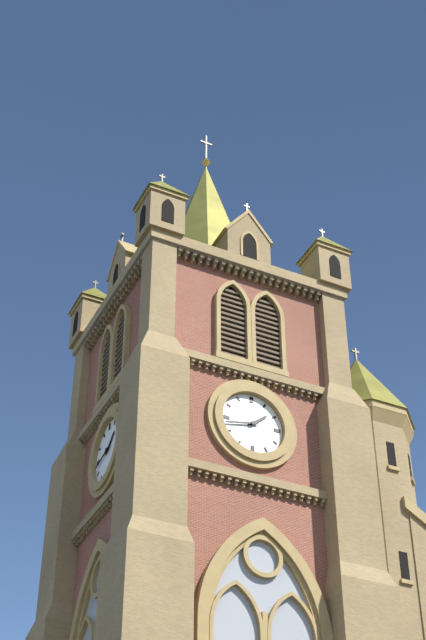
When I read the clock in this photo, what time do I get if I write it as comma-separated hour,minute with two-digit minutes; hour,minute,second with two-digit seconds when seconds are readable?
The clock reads 1,43
